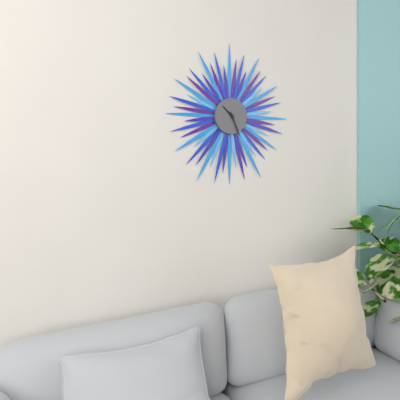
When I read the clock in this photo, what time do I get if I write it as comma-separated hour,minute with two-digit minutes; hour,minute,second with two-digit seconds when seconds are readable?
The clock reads 10,26
